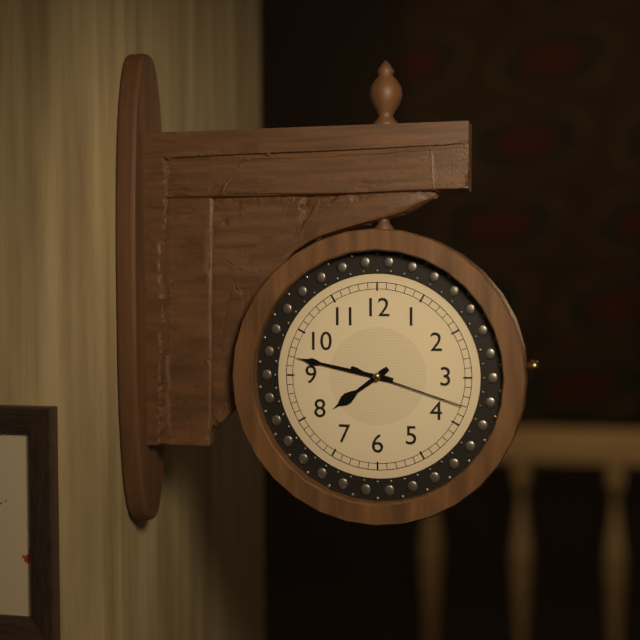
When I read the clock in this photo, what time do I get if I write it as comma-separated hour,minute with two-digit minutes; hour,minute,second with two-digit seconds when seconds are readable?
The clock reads 7,47,18
